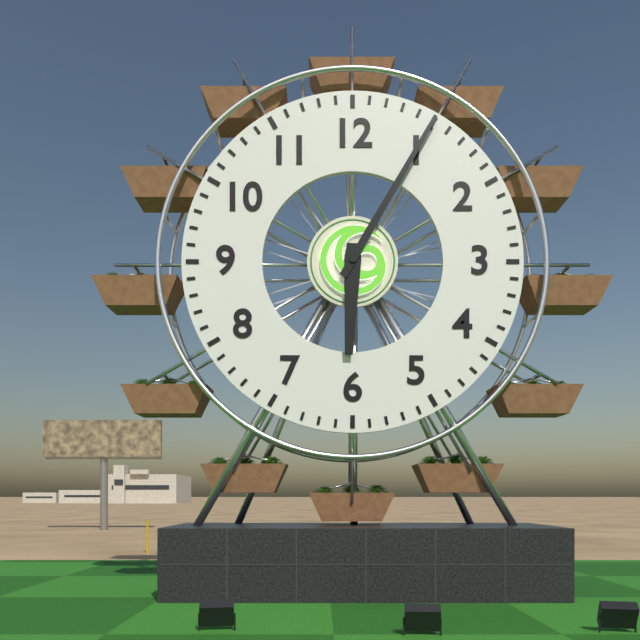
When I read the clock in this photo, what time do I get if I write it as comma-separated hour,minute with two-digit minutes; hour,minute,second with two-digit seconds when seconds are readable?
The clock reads 6,05
